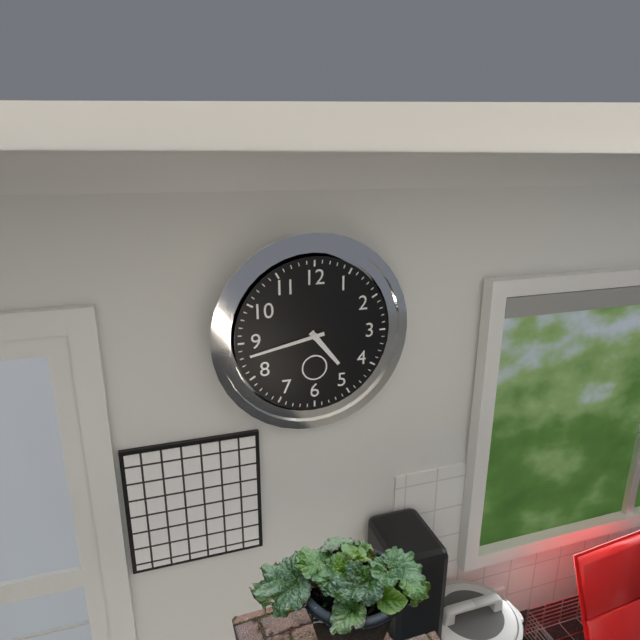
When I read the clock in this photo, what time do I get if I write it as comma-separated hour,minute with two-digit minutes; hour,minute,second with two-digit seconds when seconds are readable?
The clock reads 4,43
